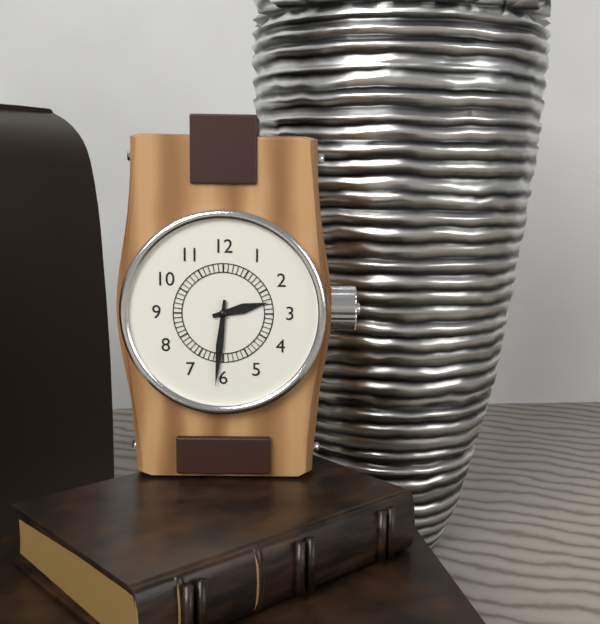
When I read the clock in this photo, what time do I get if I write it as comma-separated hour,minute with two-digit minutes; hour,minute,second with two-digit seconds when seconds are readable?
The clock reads 2,31
